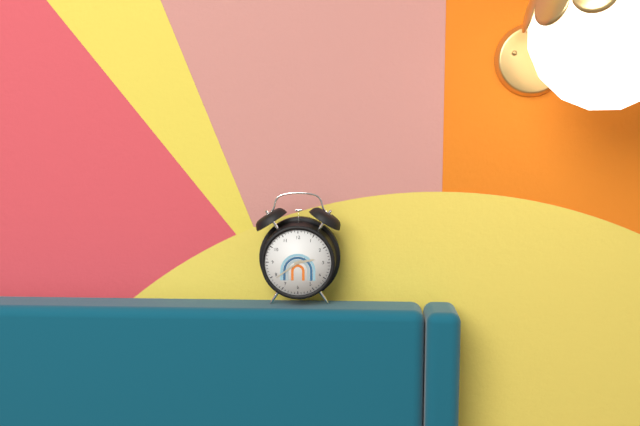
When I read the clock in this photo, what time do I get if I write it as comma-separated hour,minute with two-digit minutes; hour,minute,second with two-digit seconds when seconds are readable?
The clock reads 2,39
